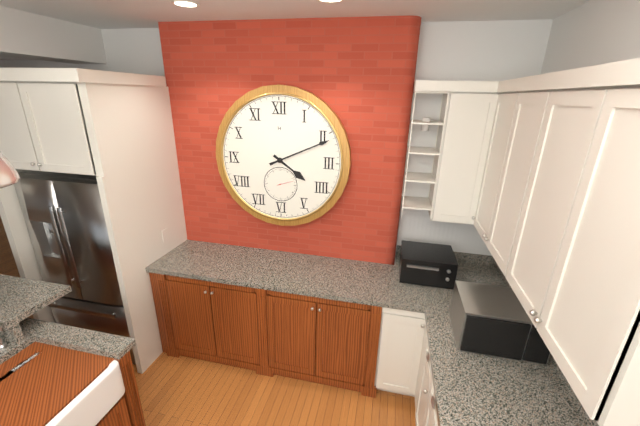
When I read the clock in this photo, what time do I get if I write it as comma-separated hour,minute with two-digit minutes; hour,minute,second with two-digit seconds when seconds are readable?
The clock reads 4,11
